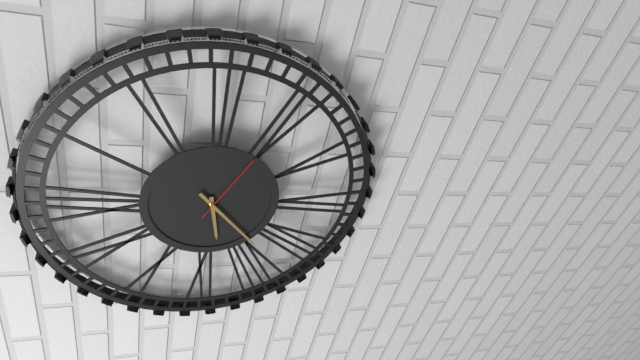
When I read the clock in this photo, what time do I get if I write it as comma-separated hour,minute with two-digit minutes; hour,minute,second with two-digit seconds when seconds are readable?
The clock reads 8,38,20
